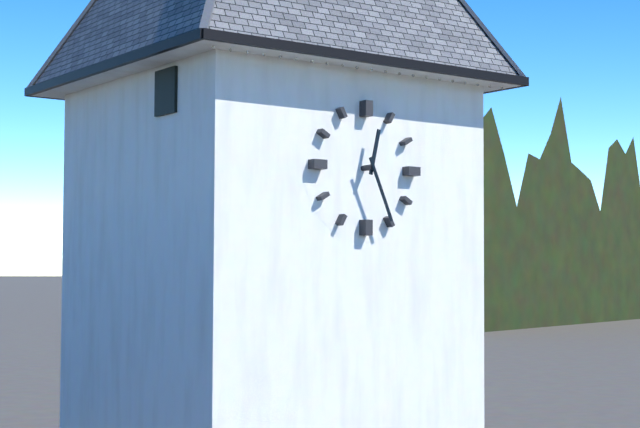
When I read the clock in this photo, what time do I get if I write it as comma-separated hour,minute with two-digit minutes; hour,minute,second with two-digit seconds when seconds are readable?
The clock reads 12,26
